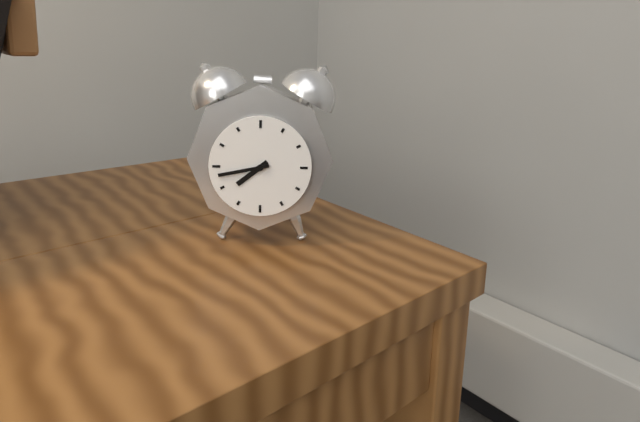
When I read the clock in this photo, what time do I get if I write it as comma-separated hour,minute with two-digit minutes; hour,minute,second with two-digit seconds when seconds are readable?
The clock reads 7,43
